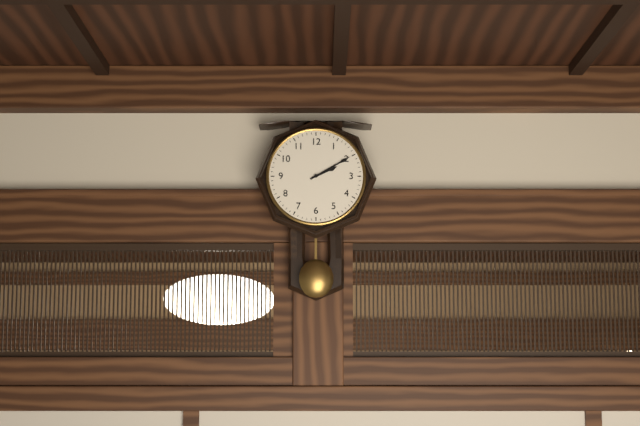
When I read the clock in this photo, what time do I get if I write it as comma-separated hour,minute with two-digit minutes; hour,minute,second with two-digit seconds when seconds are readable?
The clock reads 2,10
